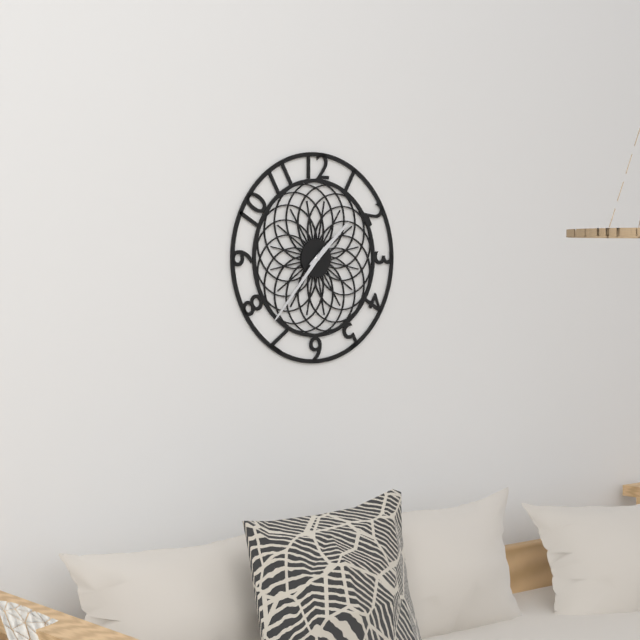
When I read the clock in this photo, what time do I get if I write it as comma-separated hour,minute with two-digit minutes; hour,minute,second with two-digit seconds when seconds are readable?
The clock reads 1,37
